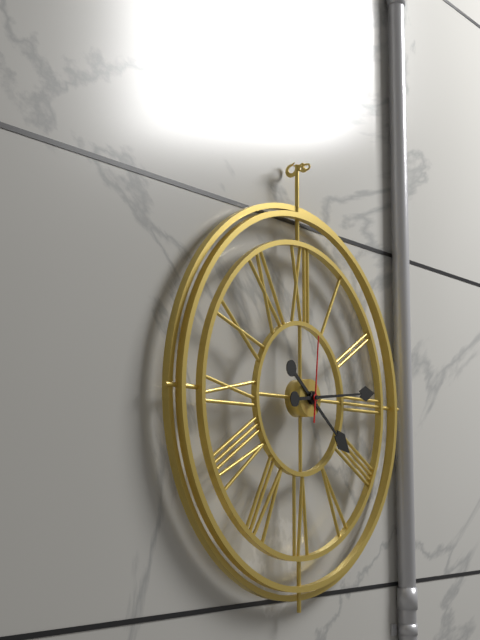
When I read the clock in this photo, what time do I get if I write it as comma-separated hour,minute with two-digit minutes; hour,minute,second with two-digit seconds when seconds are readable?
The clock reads 4,14,01
